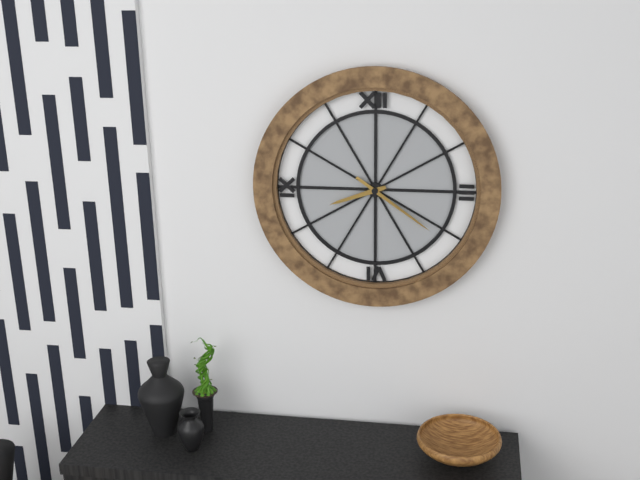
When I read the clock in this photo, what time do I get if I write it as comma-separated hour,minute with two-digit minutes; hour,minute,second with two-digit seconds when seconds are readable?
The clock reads 8,21
